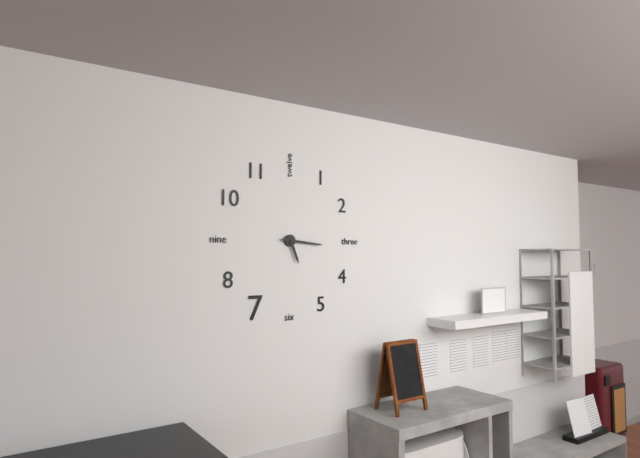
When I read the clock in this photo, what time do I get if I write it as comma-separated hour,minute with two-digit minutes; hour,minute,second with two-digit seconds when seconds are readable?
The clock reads 5,16
